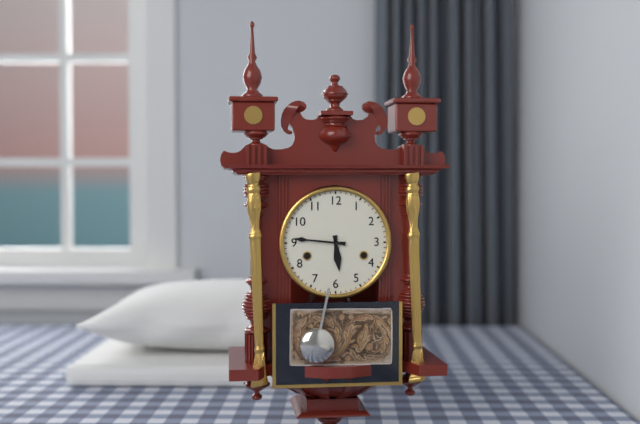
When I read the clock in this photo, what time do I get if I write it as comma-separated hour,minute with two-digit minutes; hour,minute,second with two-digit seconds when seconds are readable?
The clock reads 5,46
